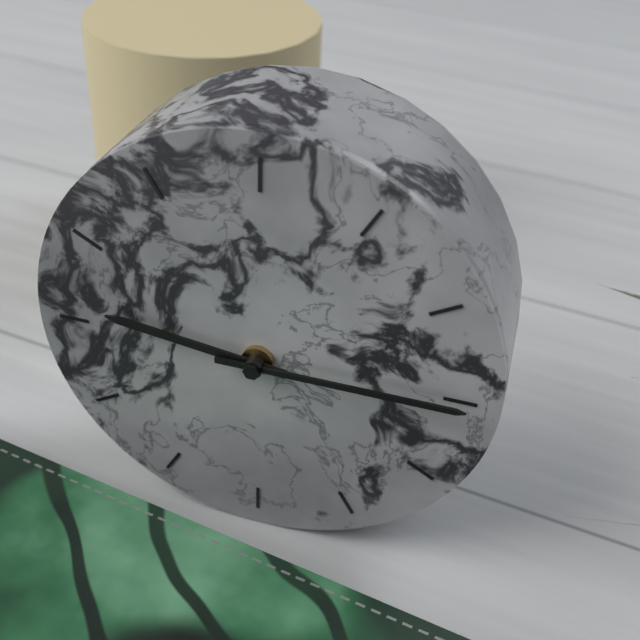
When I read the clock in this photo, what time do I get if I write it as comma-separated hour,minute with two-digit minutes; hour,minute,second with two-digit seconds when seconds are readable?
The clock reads 9,15
